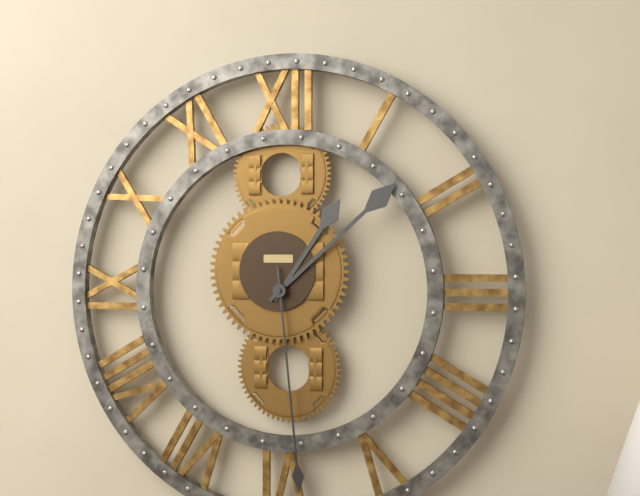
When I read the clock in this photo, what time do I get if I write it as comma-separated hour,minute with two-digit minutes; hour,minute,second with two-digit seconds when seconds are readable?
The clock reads 1,08,29
